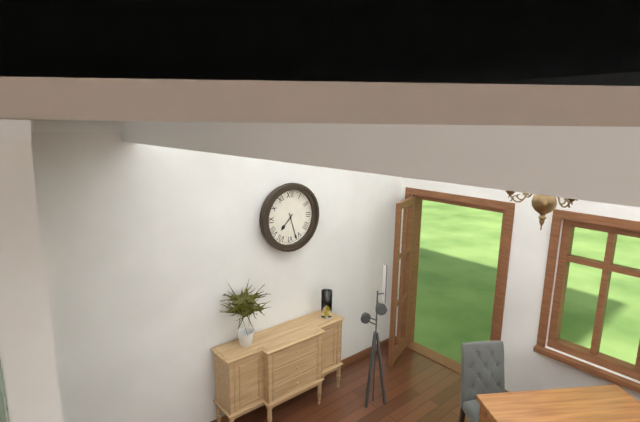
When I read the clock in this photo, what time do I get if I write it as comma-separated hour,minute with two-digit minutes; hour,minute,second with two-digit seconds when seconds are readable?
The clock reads 7,27
